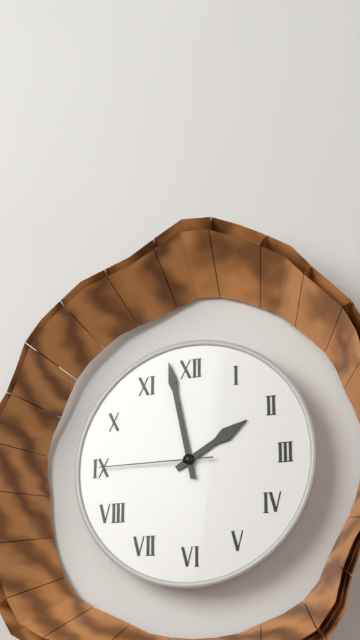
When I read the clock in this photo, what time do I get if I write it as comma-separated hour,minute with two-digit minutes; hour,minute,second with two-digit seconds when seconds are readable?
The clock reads 1,58,45
